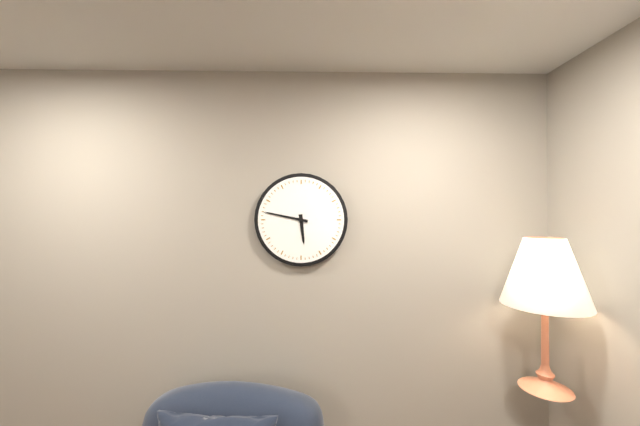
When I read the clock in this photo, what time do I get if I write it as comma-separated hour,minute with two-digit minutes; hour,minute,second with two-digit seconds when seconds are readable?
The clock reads 5,47
